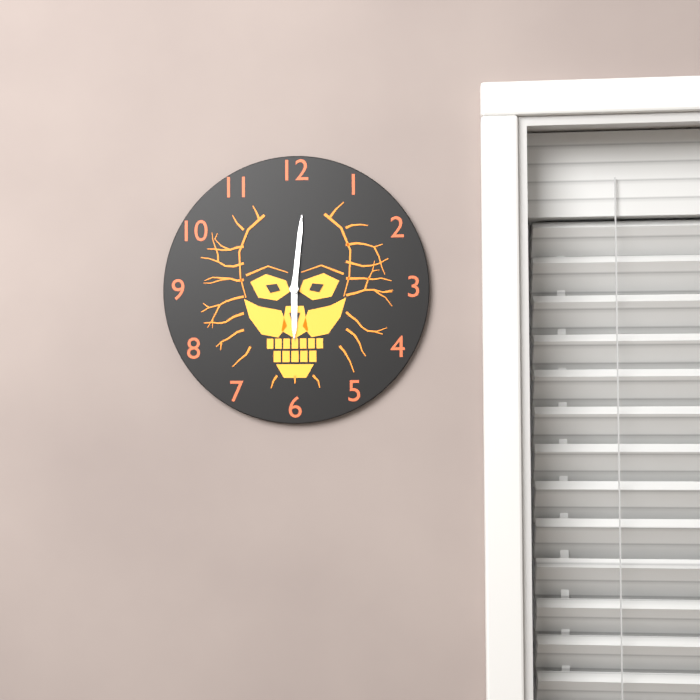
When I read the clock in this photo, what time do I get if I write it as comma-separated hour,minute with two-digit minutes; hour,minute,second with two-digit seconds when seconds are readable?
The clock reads 6,01
